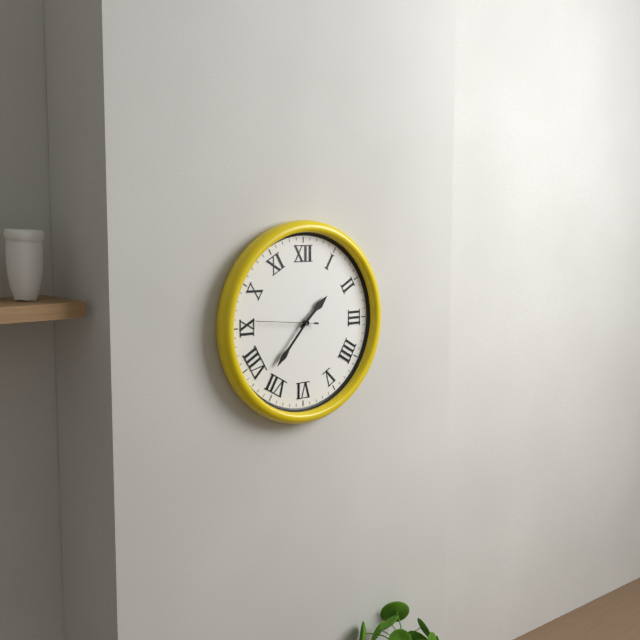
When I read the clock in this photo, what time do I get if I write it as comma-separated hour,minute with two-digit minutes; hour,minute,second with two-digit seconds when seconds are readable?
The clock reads 1,37,46
